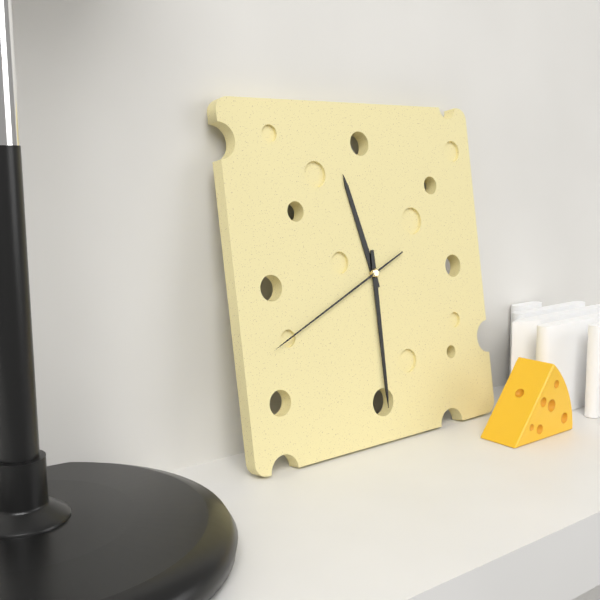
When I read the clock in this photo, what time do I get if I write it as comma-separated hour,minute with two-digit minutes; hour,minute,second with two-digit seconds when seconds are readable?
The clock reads 11,30,41
